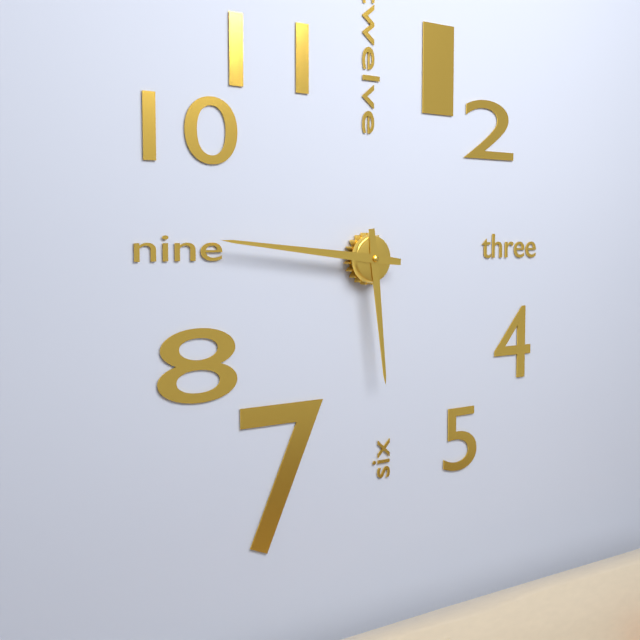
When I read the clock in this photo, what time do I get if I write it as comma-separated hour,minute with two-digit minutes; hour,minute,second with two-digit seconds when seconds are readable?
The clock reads 5,46
